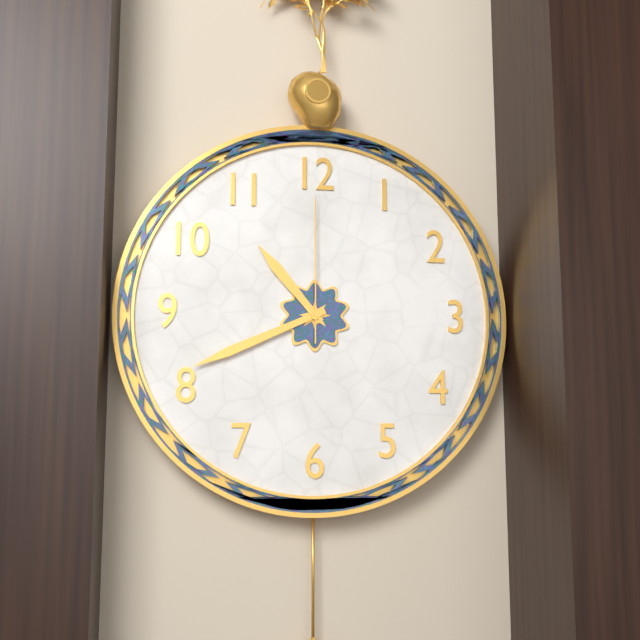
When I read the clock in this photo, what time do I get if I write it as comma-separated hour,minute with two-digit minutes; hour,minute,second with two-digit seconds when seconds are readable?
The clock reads 10,41,00
